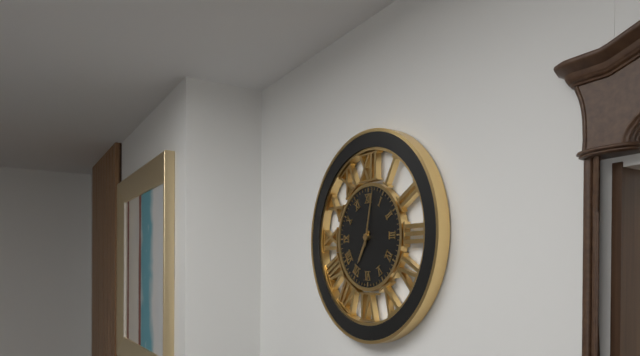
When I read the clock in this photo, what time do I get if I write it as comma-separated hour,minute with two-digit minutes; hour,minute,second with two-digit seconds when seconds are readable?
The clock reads 7,02
